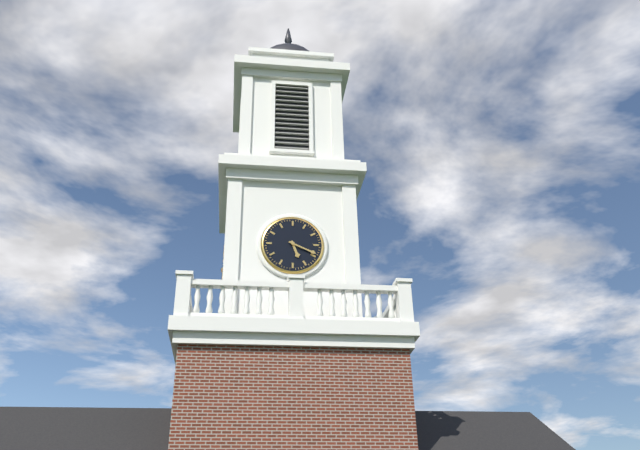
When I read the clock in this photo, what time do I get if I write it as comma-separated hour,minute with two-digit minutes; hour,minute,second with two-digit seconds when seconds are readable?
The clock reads 5,19
